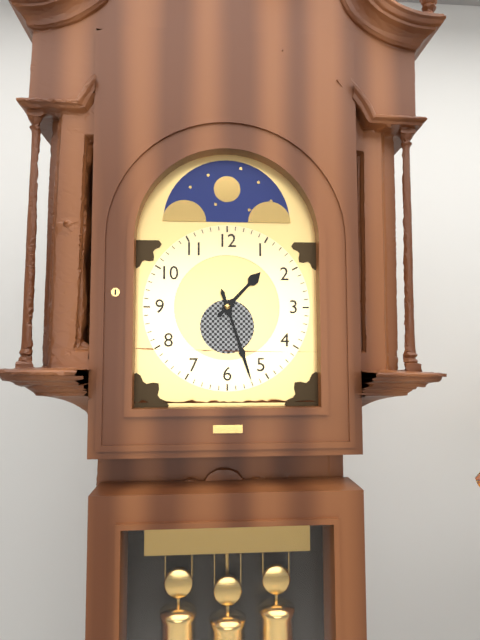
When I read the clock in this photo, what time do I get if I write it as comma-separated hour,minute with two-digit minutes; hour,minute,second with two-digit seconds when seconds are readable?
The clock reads 1,27
